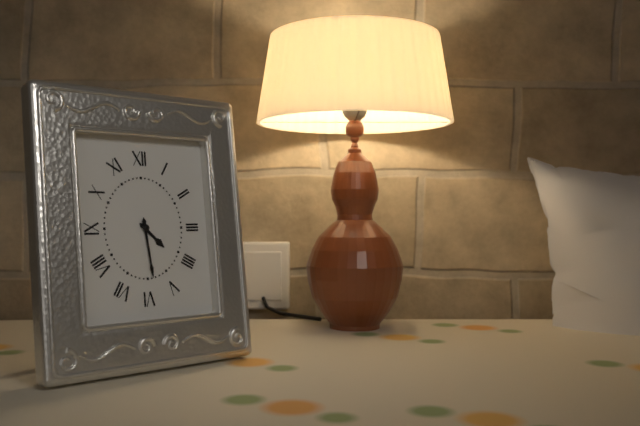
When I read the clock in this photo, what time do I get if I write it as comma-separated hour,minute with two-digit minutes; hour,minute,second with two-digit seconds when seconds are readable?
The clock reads 4,29
